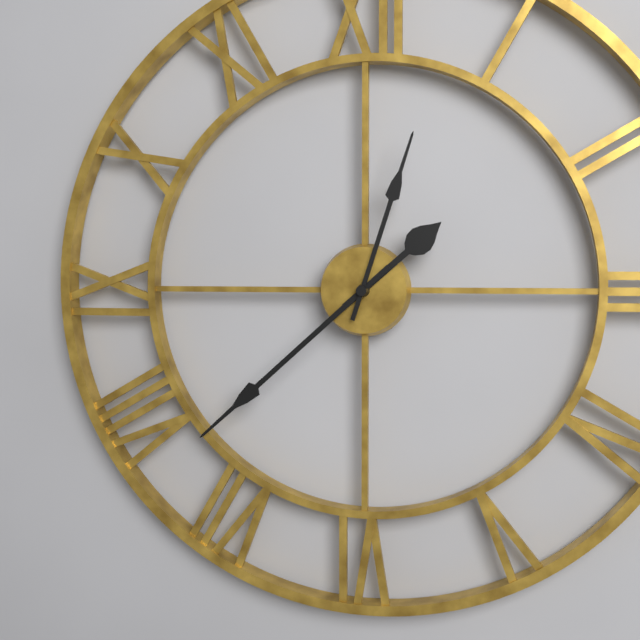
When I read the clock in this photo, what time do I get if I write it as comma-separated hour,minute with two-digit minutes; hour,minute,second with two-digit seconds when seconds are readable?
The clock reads 1,38,03
